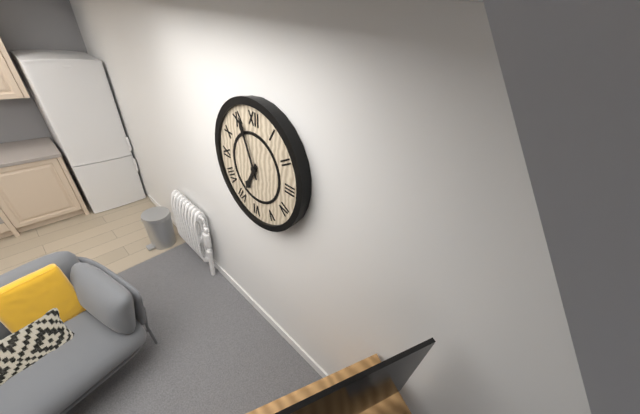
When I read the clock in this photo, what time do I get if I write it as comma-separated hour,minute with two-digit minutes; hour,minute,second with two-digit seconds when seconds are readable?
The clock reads 6,56
